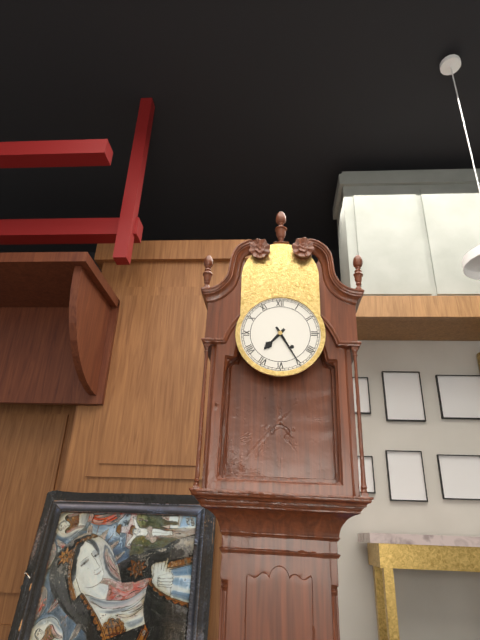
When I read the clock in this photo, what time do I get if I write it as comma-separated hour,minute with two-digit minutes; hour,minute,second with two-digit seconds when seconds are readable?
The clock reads 7,25
